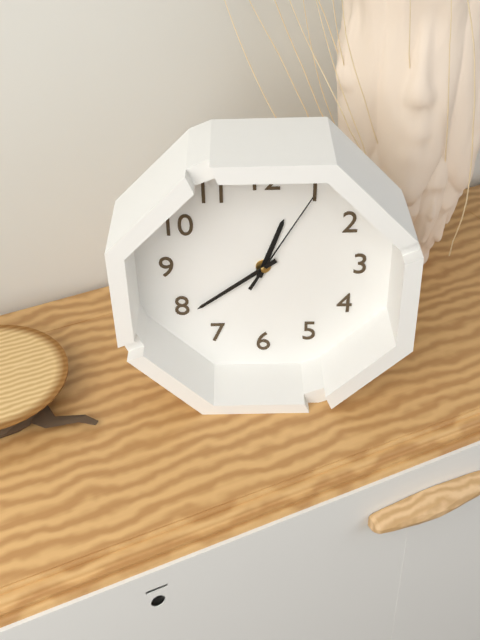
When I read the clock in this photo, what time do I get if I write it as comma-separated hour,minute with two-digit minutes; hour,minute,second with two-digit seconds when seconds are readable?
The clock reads 12,39,05
